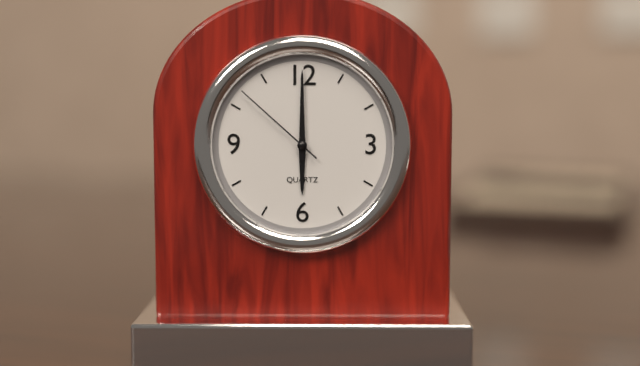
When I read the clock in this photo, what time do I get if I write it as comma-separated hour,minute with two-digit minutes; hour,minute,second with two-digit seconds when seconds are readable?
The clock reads 6,00,52
